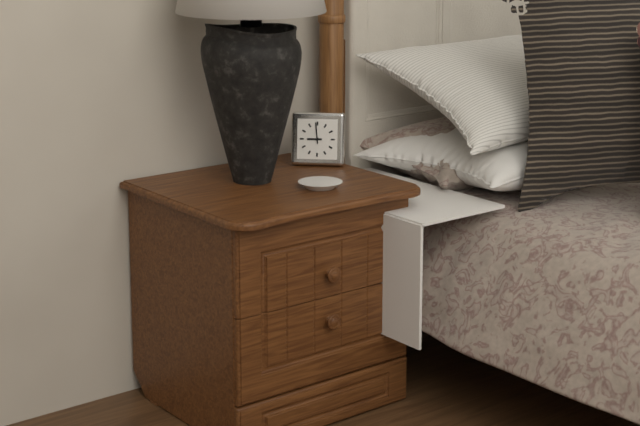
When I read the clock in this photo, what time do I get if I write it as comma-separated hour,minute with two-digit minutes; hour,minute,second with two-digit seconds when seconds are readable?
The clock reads 8,59
